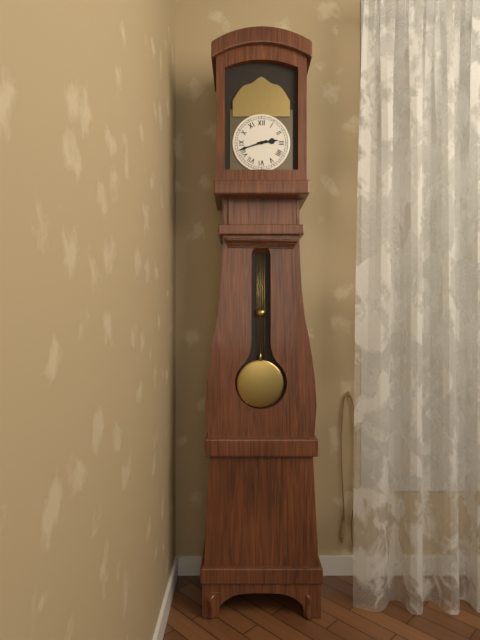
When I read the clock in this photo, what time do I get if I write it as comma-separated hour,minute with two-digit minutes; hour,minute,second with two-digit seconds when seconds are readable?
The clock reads 2,42
